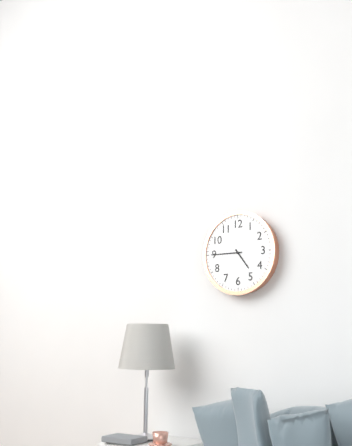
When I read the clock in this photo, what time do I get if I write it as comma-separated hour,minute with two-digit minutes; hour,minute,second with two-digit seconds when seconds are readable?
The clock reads 4,45
